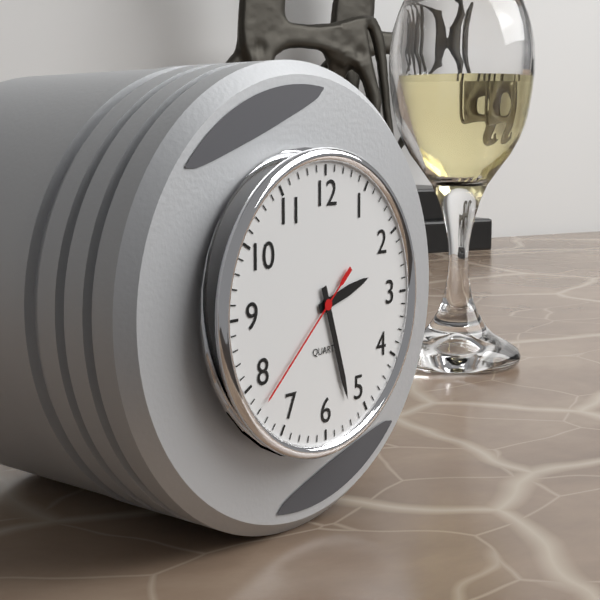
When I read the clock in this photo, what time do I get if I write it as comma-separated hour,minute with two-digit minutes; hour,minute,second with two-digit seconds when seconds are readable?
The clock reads 2,27,38
